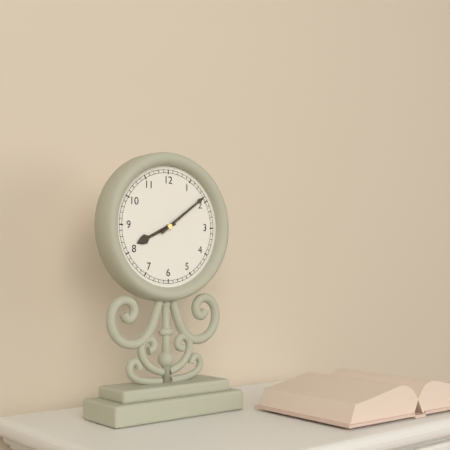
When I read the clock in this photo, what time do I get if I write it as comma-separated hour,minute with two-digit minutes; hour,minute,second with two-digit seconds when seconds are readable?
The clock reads 8,09
